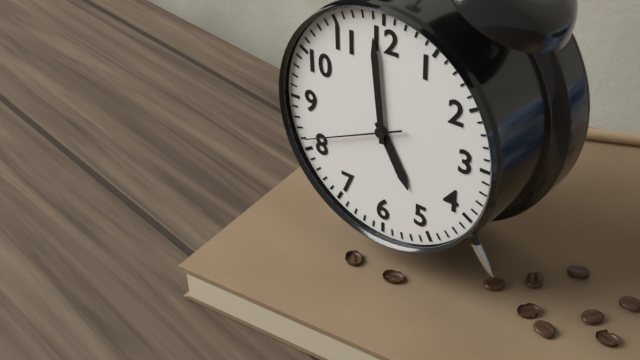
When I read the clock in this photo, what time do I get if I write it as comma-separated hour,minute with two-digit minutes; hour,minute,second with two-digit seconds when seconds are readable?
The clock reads 4,59,41
